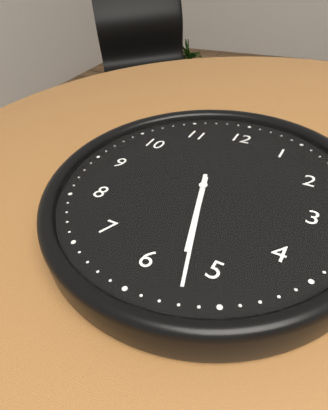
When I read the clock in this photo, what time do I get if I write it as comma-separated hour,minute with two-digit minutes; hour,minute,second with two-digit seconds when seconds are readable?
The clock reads 5,27
